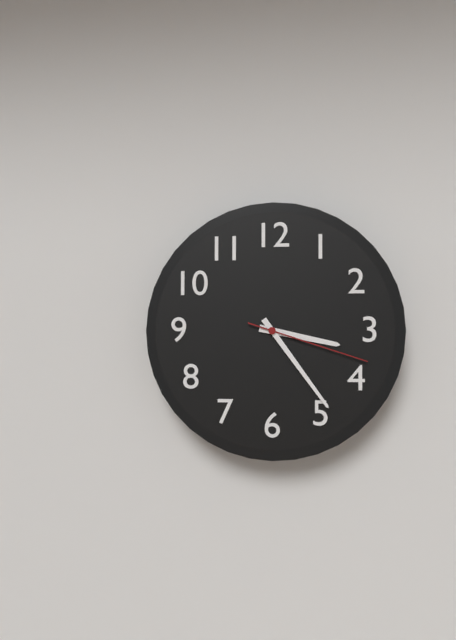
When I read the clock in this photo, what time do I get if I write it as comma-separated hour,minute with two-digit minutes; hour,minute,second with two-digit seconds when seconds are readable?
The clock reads 3,24,18
